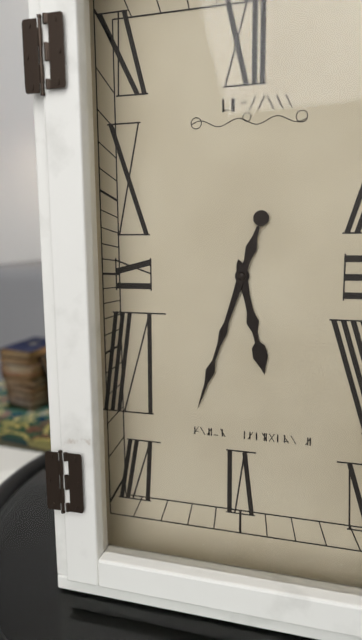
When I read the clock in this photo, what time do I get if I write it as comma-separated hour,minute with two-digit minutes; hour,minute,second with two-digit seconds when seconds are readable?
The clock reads 5,33
